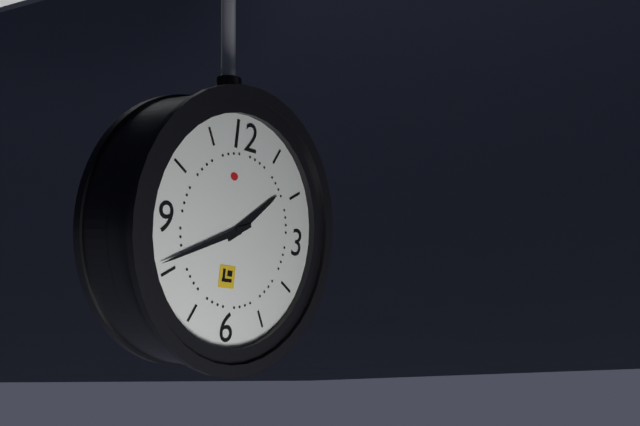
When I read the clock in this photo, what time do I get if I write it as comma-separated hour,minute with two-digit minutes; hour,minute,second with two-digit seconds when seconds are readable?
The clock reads 1,41
